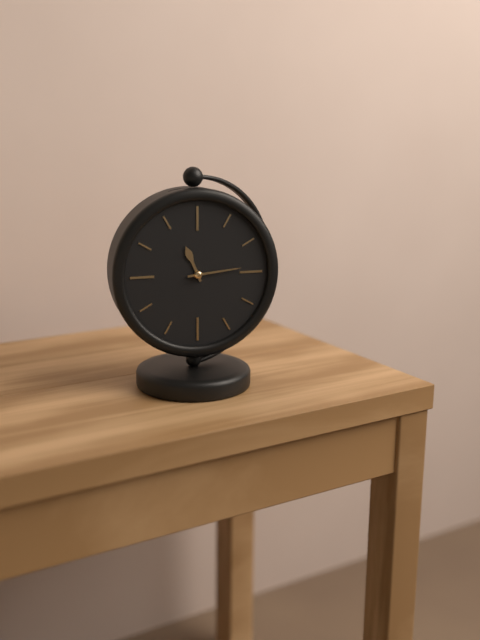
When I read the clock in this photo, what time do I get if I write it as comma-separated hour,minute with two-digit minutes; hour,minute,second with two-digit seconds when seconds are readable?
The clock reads 11,14
